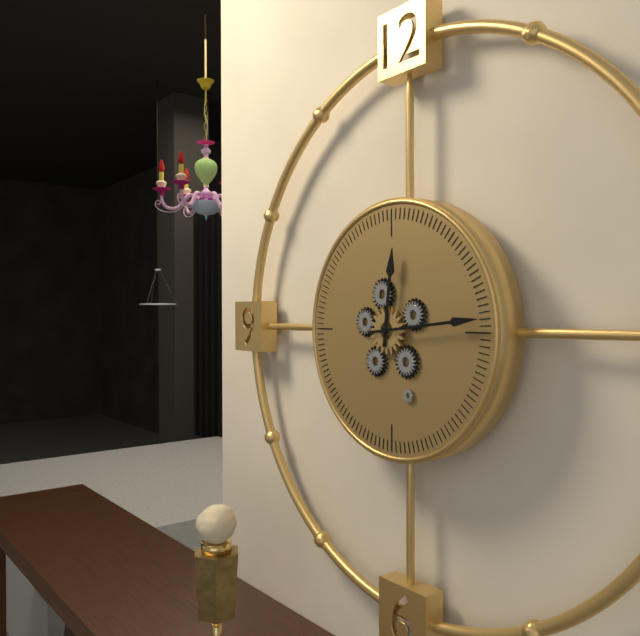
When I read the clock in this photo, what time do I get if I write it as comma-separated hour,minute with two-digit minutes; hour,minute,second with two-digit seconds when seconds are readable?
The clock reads 12,14
